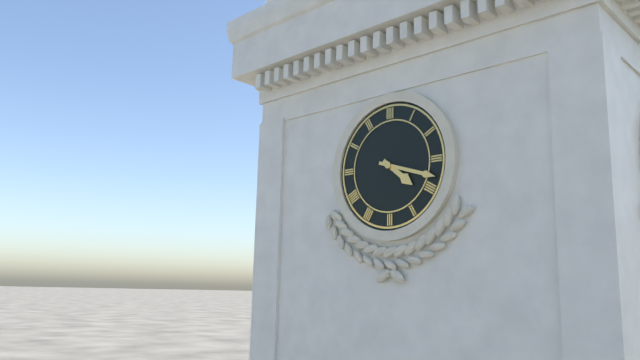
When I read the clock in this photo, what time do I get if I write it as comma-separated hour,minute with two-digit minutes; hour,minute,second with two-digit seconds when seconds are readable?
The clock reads 4,18
